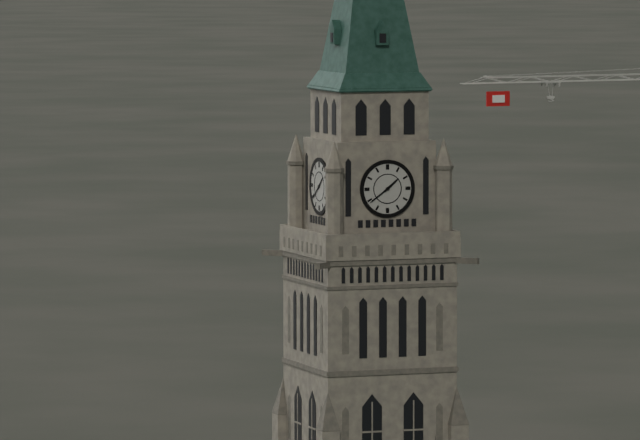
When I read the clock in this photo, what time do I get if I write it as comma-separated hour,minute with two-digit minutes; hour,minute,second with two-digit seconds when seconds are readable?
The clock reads 1,39
